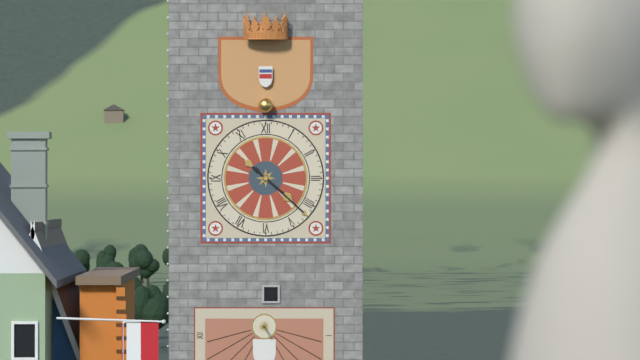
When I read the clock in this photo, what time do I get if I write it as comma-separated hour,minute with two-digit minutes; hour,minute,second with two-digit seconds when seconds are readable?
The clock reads 4,22
